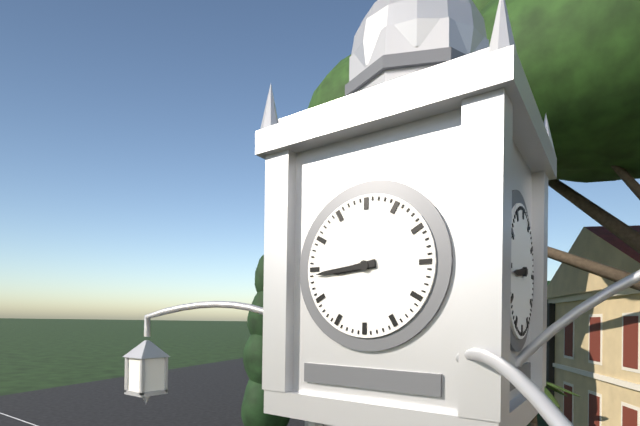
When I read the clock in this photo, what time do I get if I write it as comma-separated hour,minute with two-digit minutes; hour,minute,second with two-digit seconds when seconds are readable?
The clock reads 8,44
